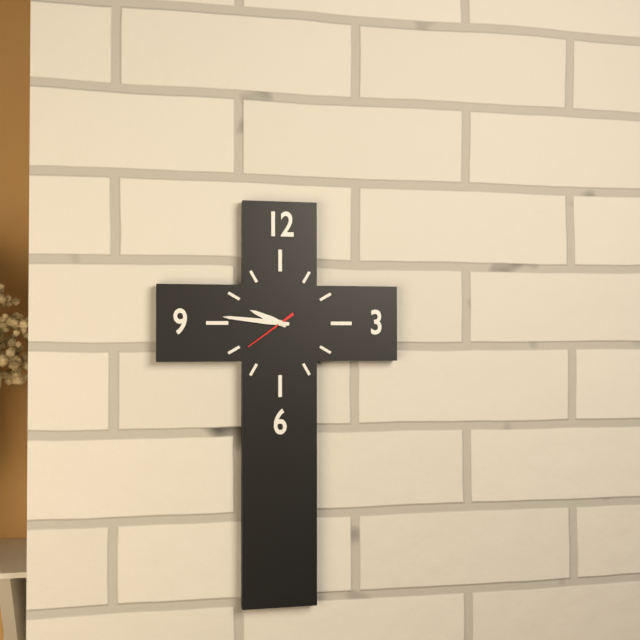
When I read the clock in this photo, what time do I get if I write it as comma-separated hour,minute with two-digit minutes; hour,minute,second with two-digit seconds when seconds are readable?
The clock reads 9,46,39
